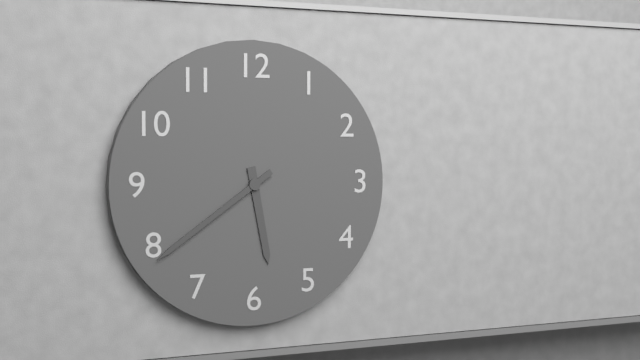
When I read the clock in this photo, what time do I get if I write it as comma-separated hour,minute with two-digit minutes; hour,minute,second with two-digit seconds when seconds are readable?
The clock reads 5,39
